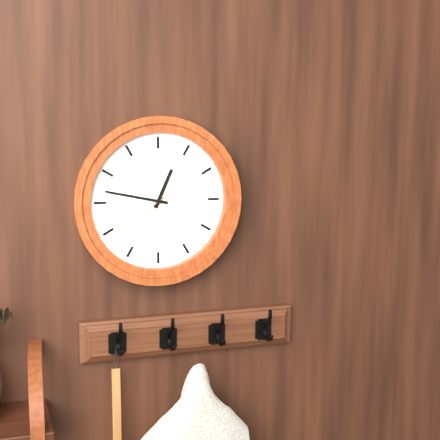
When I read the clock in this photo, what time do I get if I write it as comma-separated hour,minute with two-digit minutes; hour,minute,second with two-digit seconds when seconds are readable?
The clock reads 12,47,39
